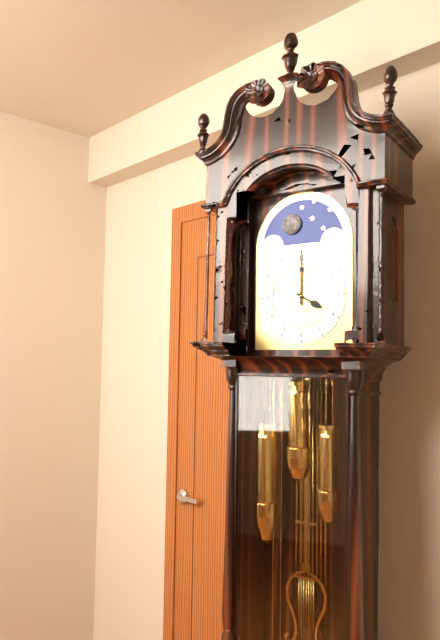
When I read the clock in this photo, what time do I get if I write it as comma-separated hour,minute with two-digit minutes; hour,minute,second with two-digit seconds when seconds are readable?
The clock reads 4,00
